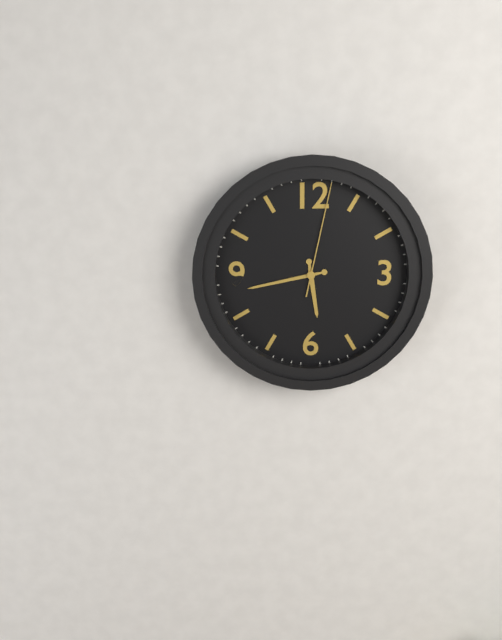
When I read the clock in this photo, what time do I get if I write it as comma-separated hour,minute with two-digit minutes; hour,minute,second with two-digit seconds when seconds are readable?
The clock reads 5,43,02
